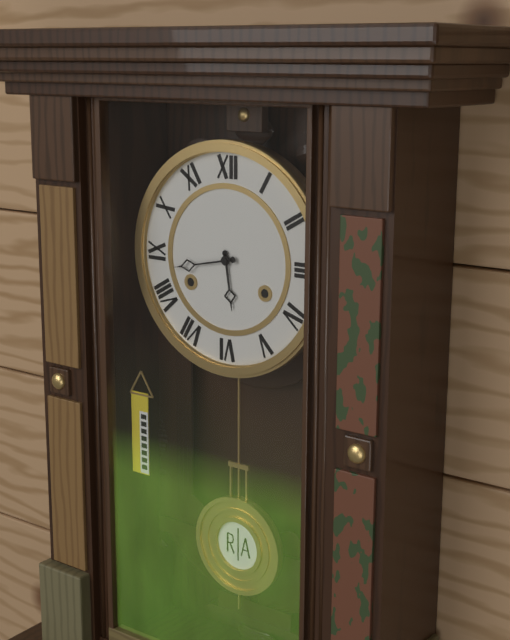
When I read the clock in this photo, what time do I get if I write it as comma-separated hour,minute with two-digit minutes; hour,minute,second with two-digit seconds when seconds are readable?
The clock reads 5,43
